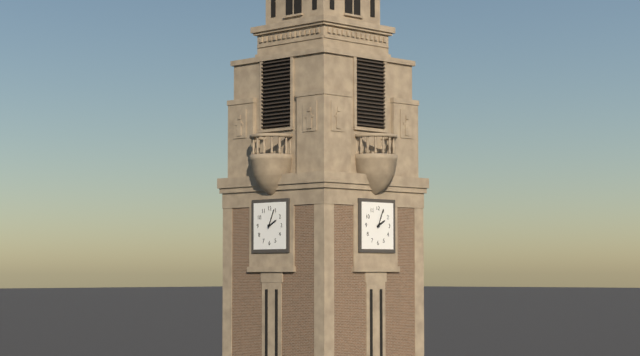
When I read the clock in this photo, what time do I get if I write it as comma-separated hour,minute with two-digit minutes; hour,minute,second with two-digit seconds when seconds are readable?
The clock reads 2,04
